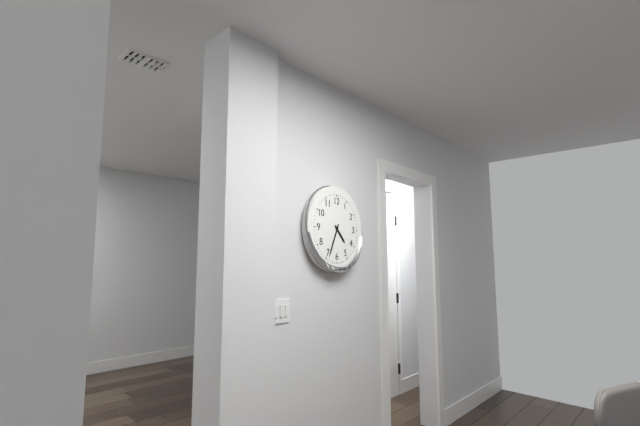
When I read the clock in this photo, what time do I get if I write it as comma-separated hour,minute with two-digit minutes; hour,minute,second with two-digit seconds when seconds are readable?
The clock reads 4,34
